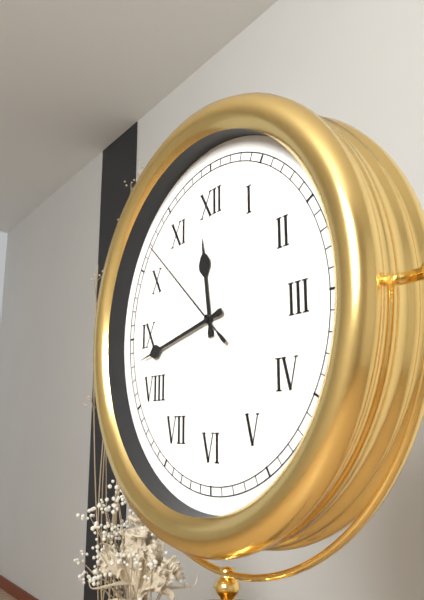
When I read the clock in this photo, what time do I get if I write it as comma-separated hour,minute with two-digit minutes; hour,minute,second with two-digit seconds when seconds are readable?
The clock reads 11,43,52
